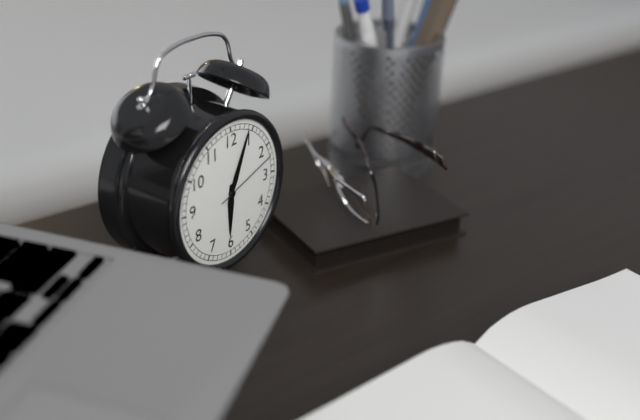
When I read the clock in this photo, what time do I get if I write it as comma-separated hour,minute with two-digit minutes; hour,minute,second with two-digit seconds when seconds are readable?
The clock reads 6,04,12
